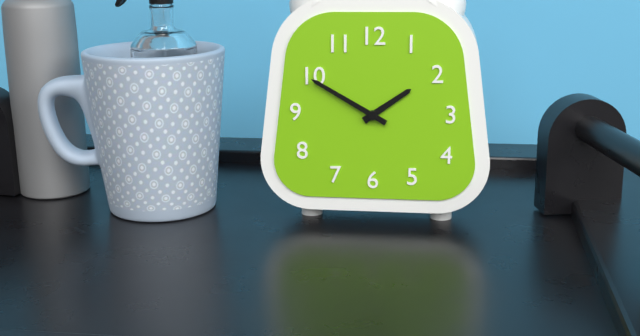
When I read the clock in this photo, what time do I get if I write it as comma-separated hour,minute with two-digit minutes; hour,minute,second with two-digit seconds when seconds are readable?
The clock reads 1,50
